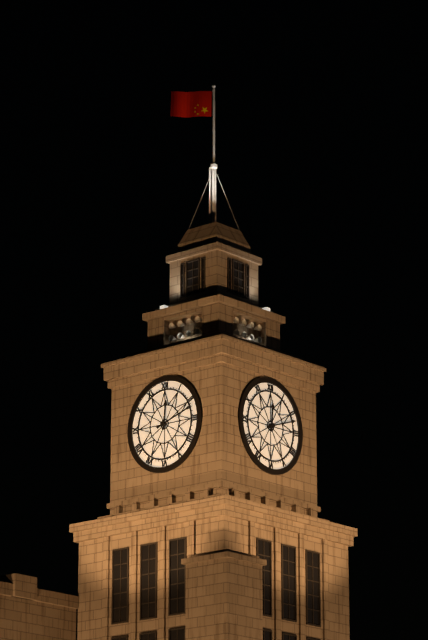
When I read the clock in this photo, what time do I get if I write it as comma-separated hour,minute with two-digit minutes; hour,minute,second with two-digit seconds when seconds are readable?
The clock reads 12,12
